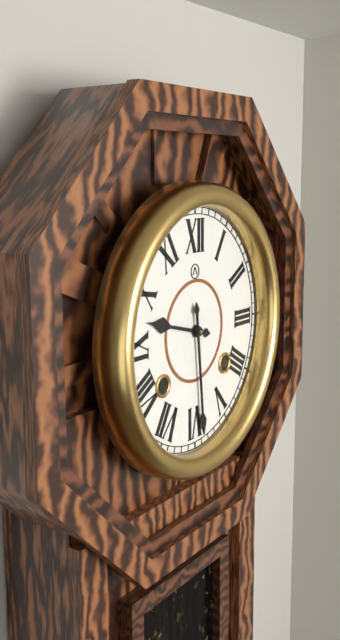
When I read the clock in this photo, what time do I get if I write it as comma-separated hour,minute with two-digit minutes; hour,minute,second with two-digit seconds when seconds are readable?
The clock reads 9,29
